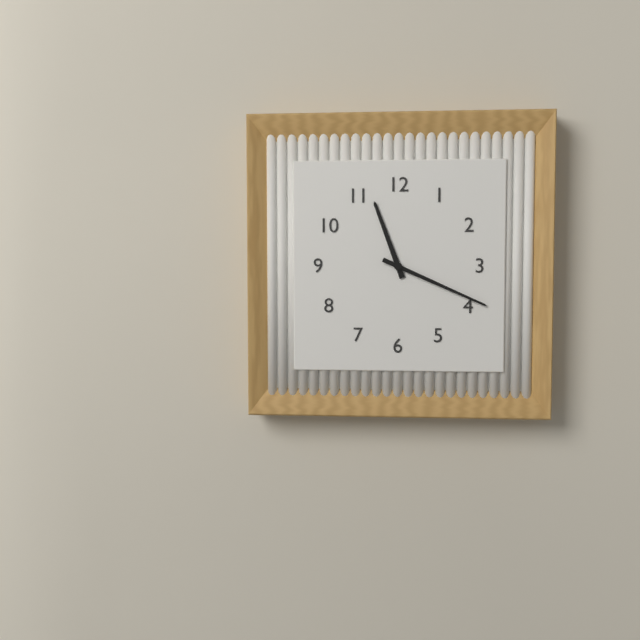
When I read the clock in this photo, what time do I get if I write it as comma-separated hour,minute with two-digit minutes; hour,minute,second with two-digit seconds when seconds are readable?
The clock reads 11,19
